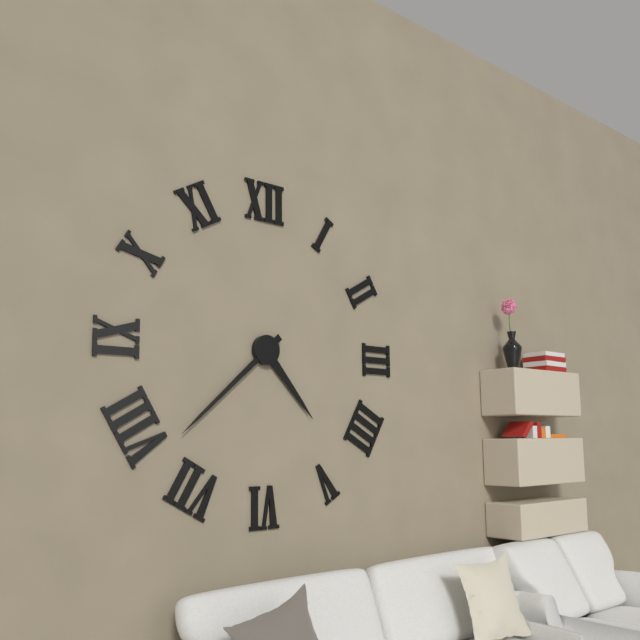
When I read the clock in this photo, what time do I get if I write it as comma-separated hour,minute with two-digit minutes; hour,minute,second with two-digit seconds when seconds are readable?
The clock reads 4,38
